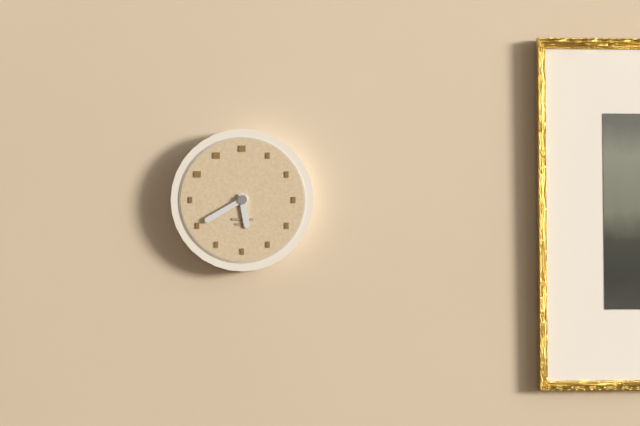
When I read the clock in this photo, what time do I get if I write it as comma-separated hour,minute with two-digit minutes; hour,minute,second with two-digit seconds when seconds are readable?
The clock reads 5,40
